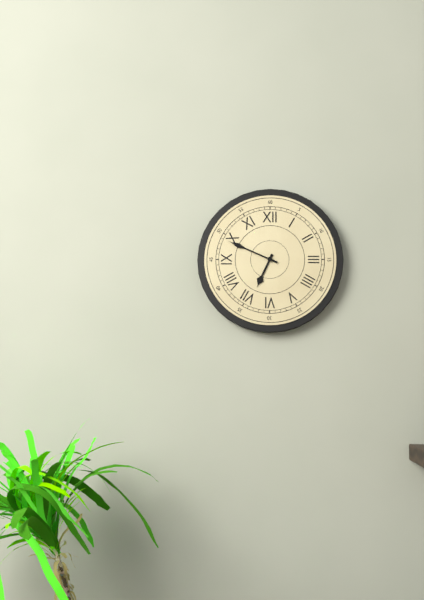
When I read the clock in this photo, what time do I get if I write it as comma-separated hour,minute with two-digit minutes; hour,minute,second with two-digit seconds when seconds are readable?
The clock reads 6,49
